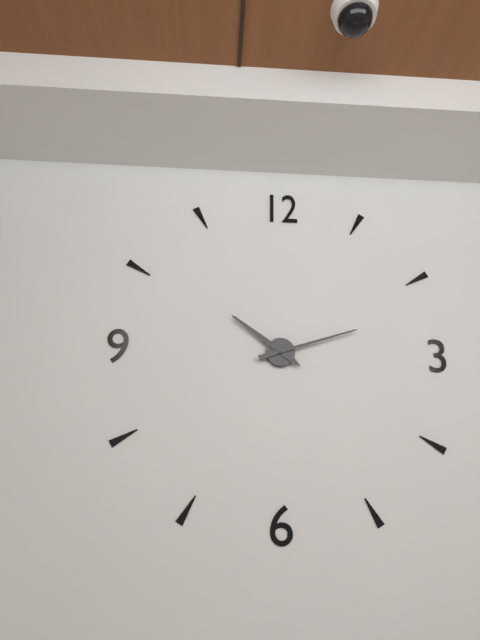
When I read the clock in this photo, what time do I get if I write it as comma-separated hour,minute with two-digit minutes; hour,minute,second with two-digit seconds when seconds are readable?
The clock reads 10,12
